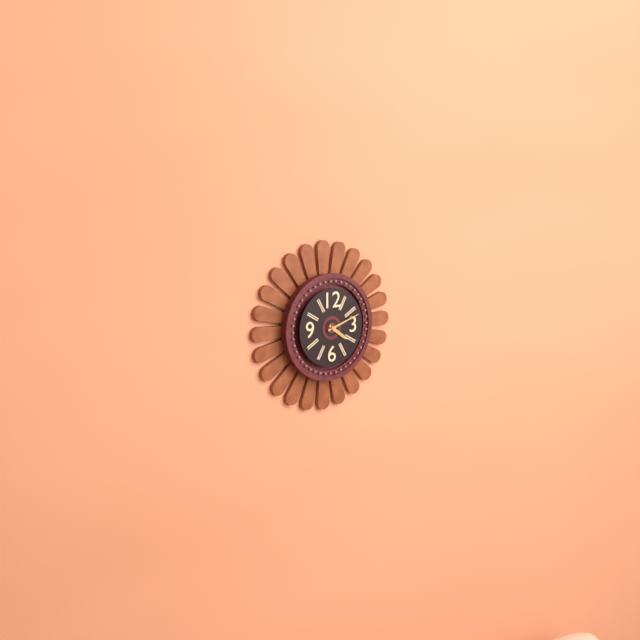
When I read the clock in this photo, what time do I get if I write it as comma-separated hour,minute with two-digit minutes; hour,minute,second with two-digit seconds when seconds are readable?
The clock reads 4,12
